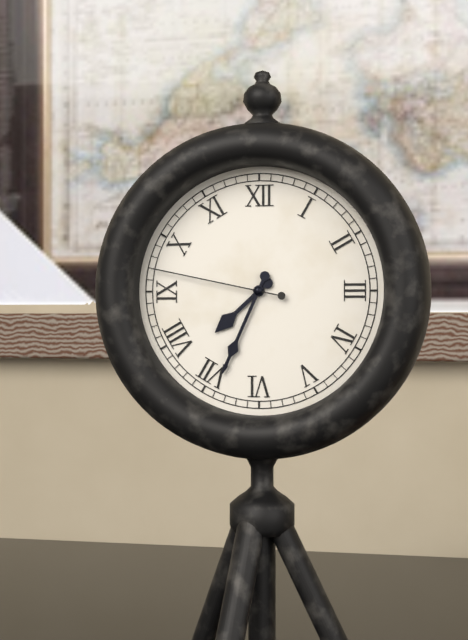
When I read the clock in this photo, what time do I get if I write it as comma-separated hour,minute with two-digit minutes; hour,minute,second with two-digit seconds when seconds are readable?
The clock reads 7,34,47
